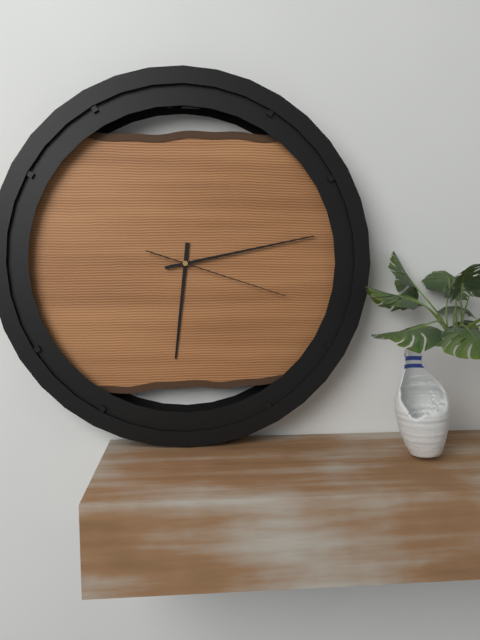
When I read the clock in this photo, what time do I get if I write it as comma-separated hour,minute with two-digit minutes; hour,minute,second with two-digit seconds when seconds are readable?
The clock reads 6,13,18
